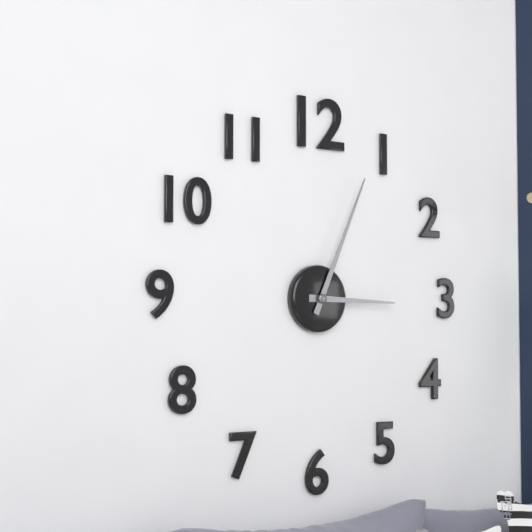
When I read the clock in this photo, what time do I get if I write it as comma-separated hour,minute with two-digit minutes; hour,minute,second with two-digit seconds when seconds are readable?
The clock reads 3,04
